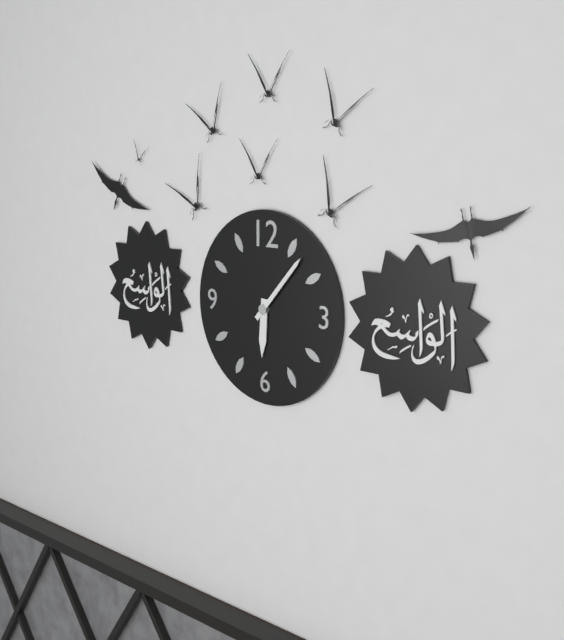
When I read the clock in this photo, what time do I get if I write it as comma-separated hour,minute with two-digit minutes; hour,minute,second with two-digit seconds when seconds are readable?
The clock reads 6,07
